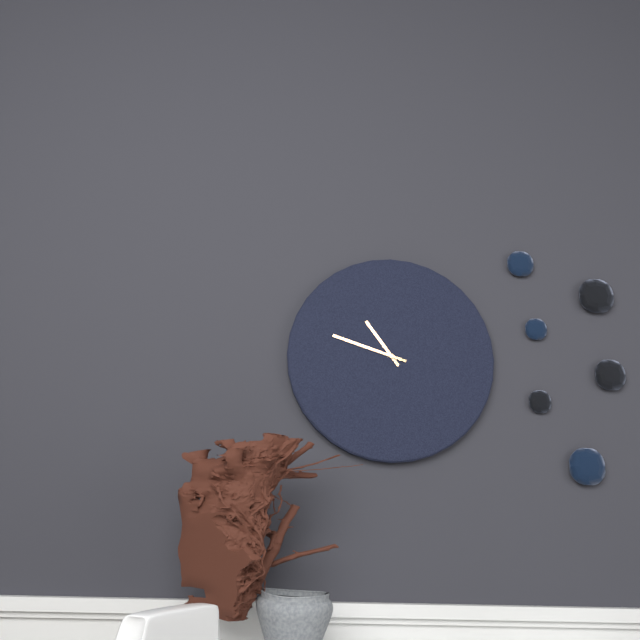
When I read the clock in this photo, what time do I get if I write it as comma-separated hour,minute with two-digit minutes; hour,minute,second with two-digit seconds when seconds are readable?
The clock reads 10,48
